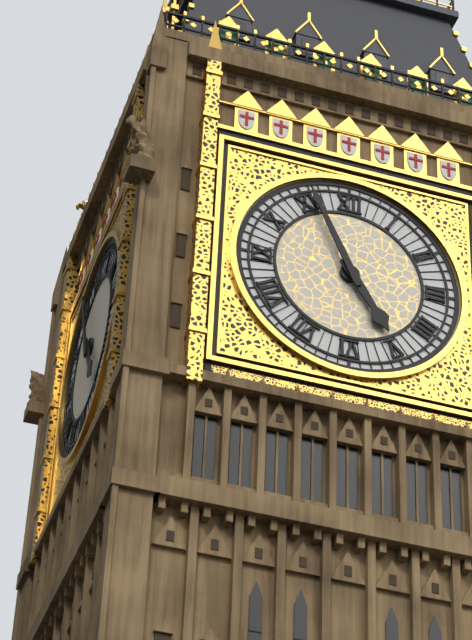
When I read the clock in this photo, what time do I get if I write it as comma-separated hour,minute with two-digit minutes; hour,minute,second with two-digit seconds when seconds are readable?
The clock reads 4,56
